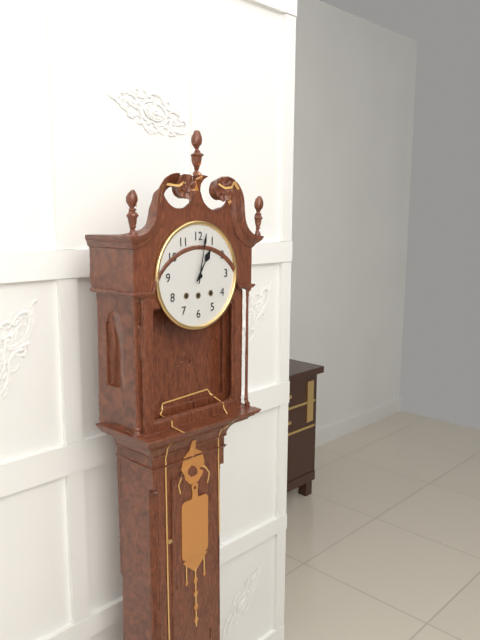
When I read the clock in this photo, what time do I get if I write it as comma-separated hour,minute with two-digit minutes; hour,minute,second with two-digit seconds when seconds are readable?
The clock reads 1,02
